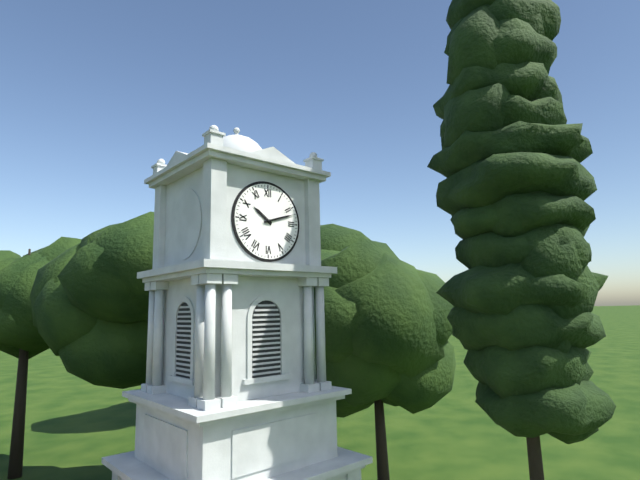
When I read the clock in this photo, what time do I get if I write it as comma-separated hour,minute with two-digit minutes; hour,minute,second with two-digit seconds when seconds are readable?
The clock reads 10,12
